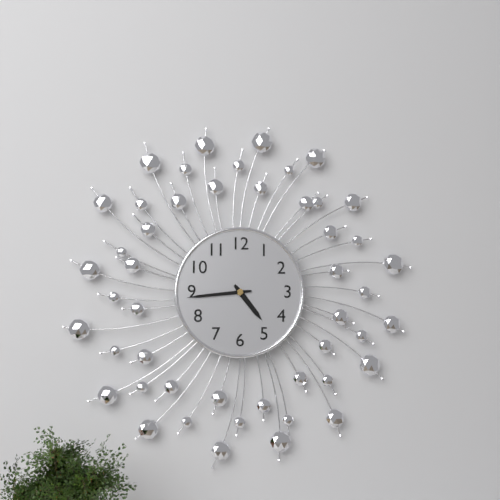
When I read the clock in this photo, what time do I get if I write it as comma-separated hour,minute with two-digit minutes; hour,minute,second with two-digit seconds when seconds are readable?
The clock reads 4,44
